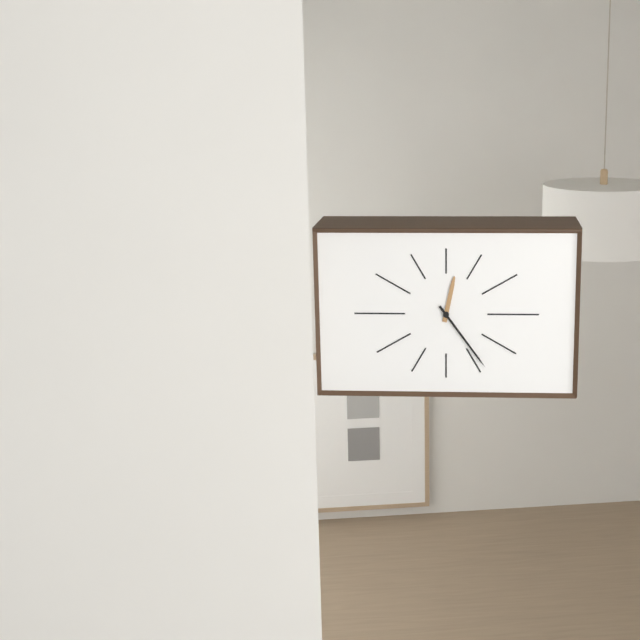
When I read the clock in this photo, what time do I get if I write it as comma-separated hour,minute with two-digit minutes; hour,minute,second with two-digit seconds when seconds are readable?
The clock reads 12,24
